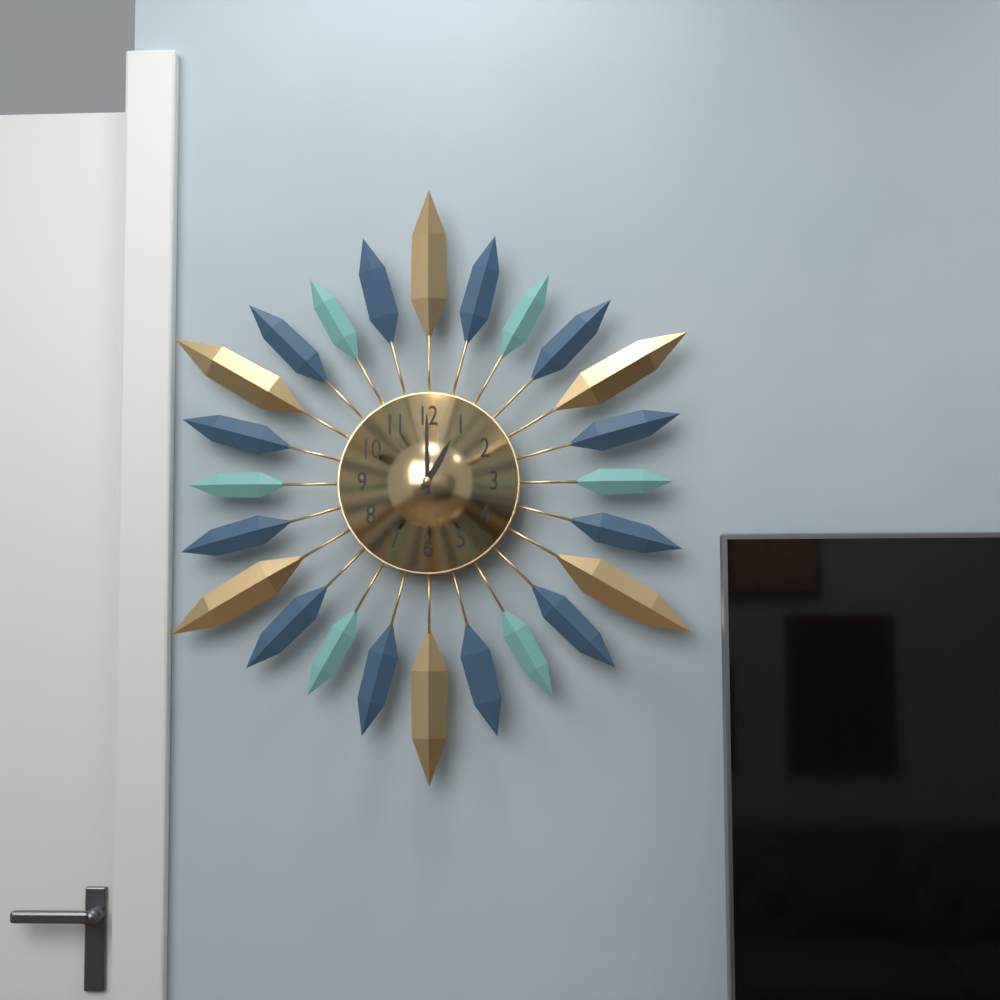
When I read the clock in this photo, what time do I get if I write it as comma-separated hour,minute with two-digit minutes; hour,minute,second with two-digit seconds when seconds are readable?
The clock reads 1,00
